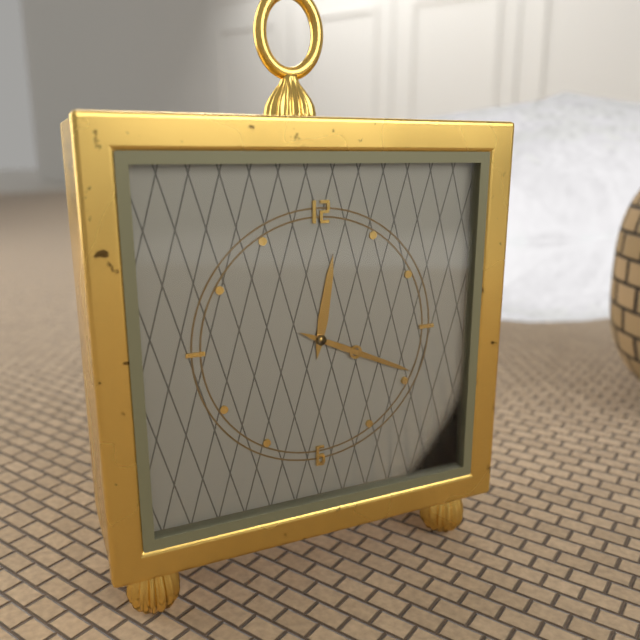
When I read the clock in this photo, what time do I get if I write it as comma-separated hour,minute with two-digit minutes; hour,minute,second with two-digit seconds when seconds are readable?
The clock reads 12,19
